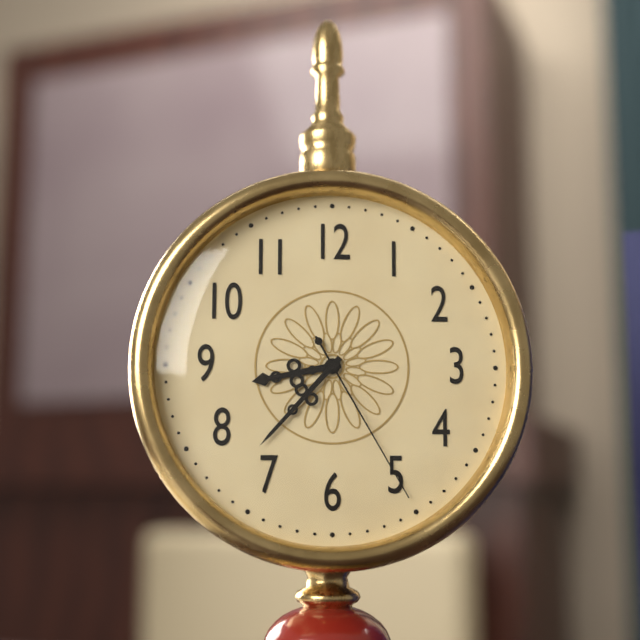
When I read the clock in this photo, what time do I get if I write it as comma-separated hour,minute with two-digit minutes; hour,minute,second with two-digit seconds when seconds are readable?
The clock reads 8,37,25
